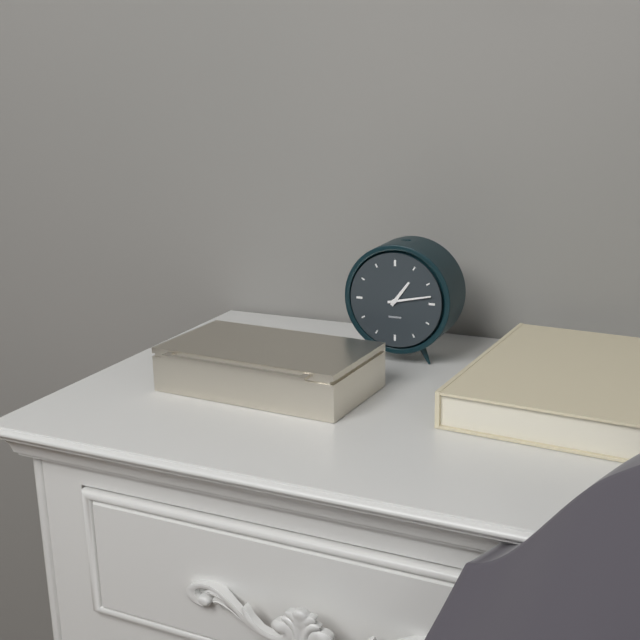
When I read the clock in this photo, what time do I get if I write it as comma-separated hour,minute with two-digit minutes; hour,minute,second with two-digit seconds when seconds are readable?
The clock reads 1,13
